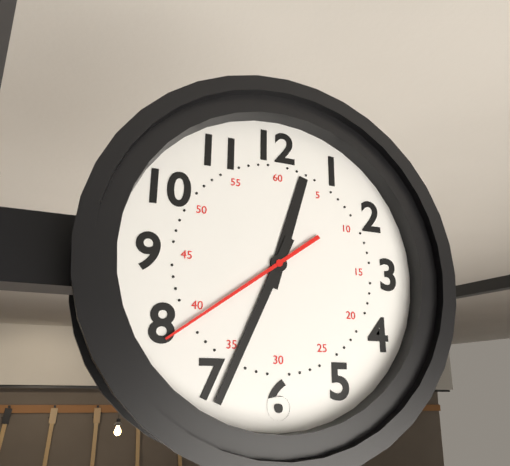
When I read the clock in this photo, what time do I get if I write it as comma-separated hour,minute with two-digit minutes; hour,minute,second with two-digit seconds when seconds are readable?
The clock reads 12,34,39
